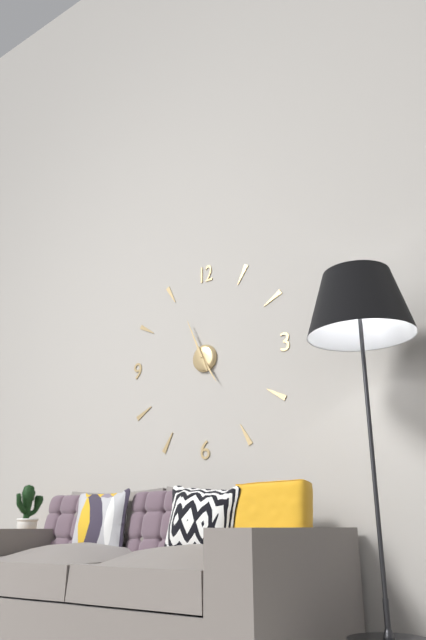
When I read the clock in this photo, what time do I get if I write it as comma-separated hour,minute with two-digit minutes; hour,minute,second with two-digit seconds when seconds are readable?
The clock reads 4,56
